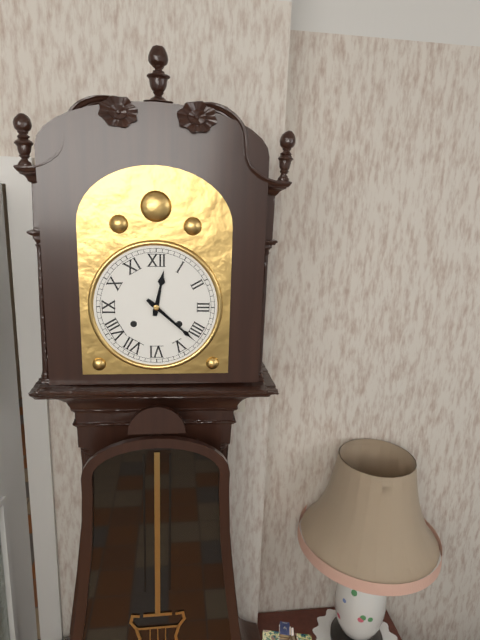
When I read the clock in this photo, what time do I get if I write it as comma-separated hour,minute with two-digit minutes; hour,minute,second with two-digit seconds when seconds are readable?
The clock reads 12,22
